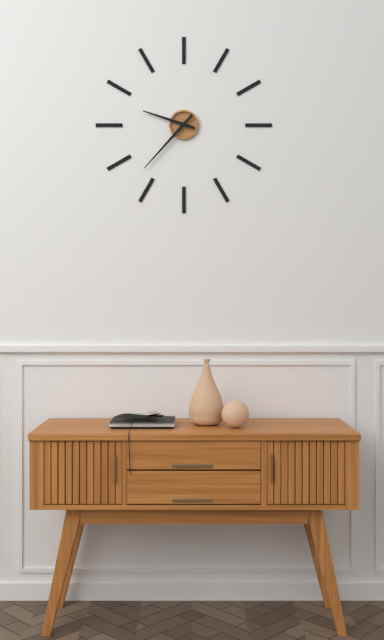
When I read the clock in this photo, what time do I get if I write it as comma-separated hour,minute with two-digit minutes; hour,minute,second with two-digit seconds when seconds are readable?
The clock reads 9,37
